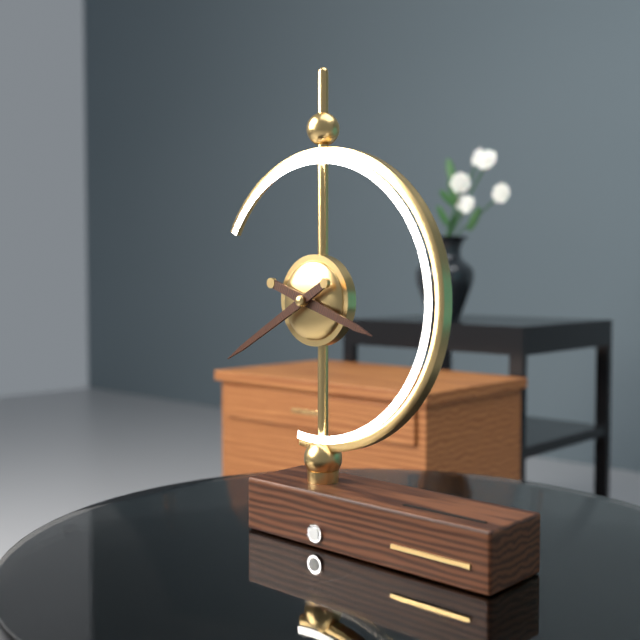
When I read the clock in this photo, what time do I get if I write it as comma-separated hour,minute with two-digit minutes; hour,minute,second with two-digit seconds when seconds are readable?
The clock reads 3,40
